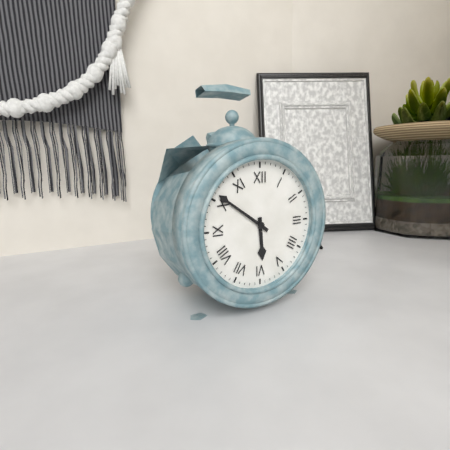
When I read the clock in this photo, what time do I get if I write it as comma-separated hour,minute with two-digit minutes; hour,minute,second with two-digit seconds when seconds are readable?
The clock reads 5,51
